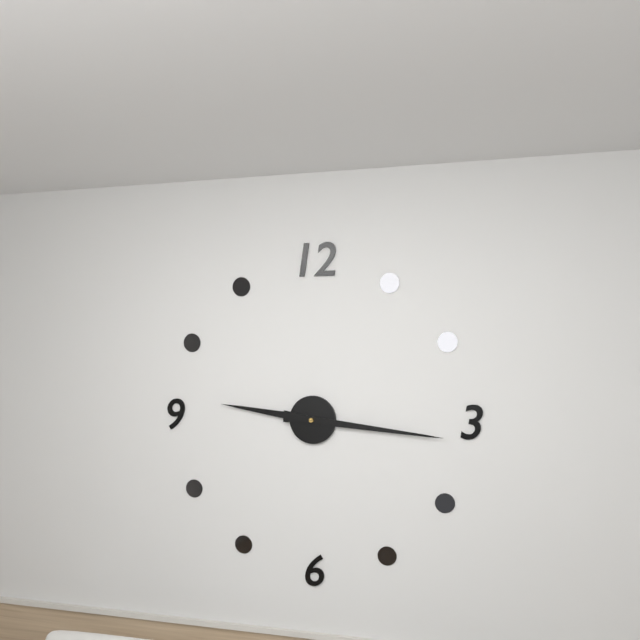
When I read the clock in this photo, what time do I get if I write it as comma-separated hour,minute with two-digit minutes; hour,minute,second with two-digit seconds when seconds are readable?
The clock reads 9,16
